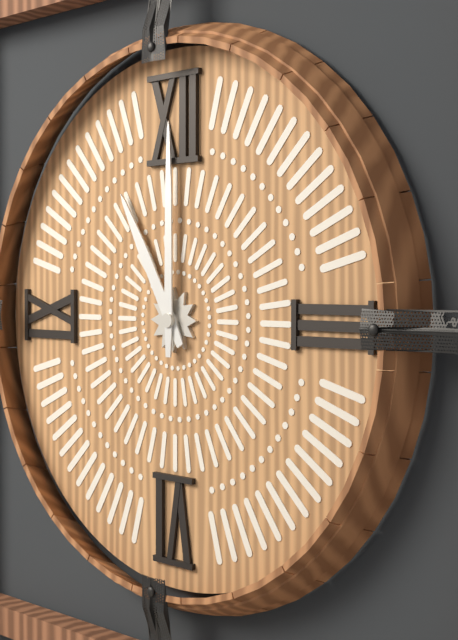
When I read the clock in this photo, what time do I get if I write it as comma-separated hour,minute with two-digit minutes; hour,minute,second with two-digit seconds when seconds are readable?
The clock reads 11,00
